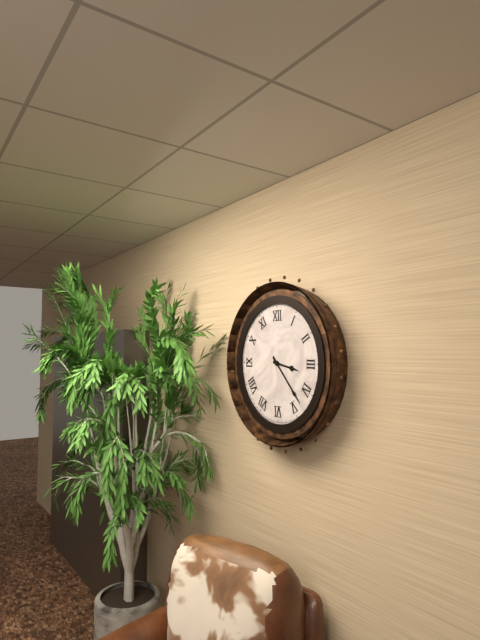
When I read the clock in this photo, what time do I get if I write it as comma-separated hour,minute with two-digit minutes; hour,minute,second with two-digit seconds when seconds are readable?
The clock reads 3,23
